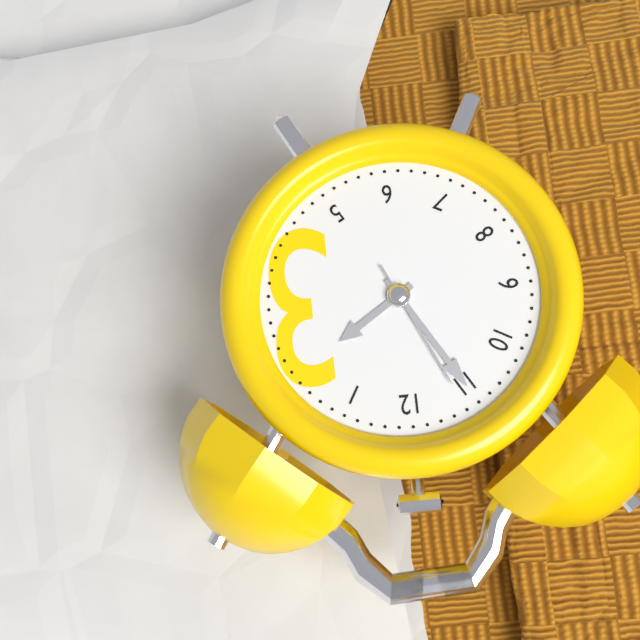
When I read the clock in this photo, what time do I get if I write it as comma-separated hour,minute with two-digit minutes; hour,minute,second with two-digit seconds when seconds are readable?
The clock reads 1,55,56
